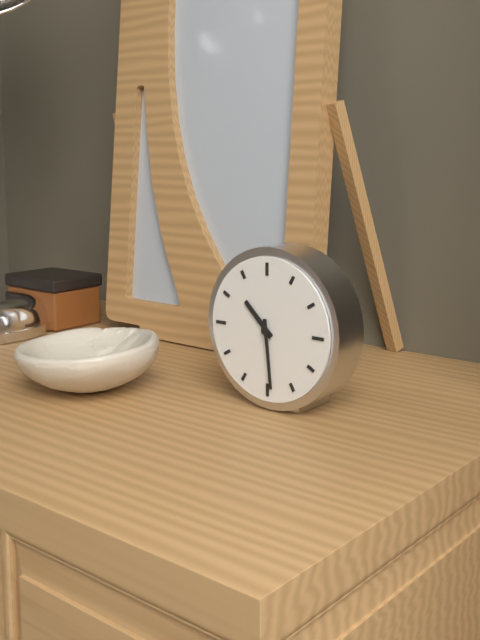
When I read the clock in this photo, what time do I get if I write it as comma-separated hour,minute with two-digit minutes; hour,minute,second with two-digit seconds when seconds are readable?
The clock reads 10,29
